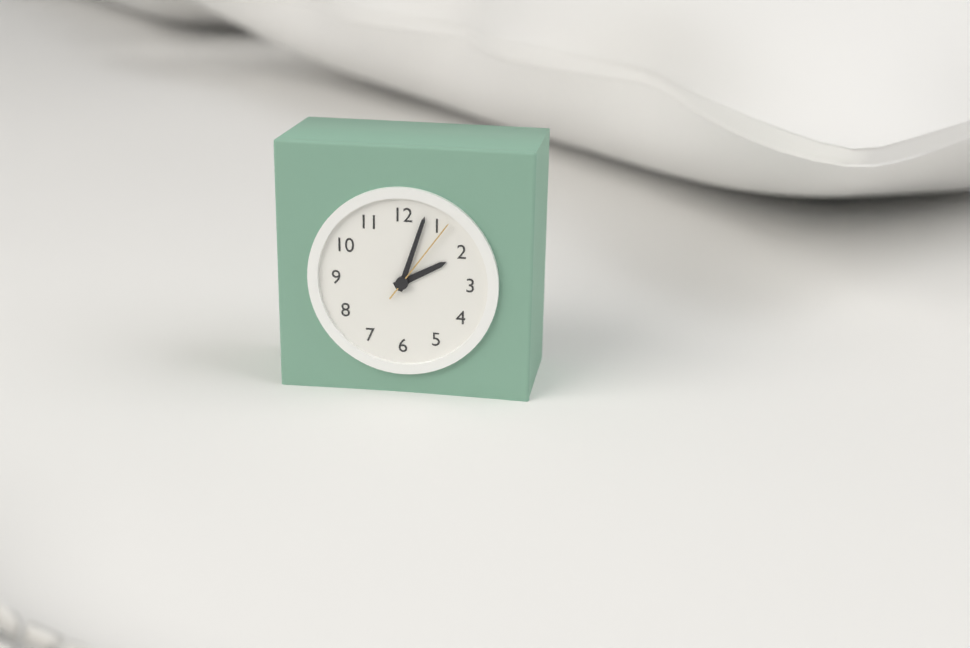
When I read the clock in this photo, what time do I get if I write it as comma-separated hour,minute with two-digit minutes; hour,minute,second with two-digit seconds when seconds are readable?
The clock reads 2,03,06
